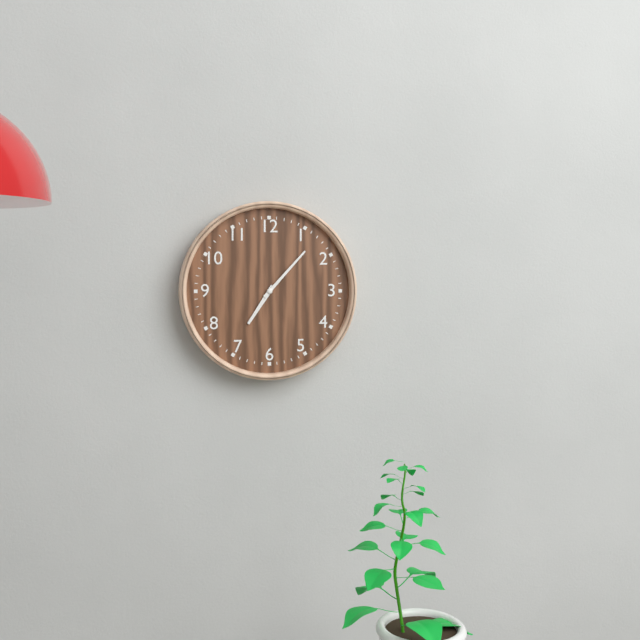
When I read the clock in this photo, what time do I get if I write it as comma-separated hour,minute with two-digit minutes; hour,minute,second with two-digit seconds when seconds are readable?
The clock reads 7,07
